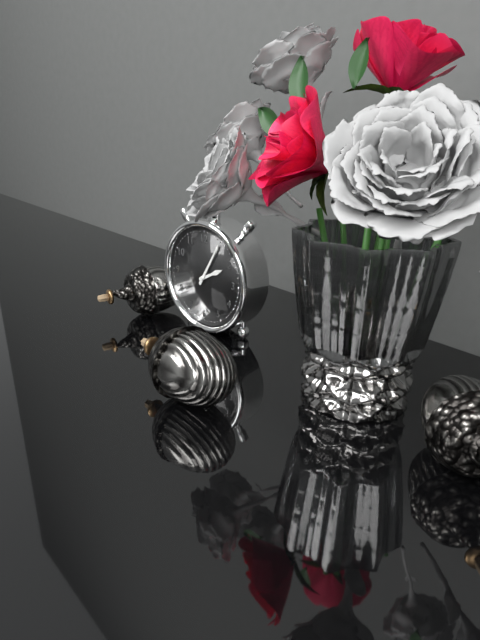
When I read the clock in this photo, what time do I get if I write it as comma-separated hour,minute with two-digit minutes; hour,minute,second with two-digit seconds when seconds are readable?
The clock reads 2,05
